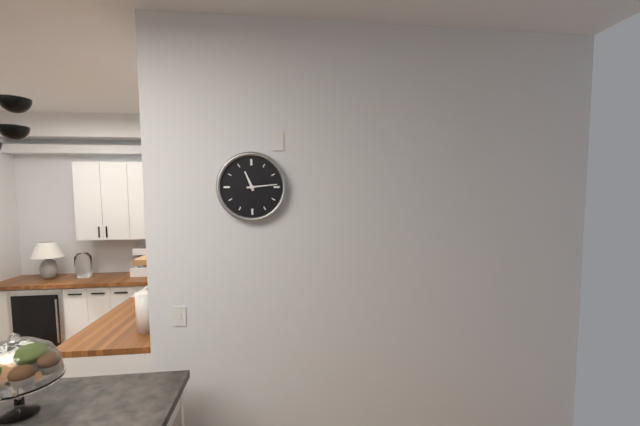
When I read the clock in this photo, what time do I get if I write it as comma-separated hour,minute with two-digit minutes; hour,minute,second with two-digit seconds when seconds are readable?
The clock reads 11,14
